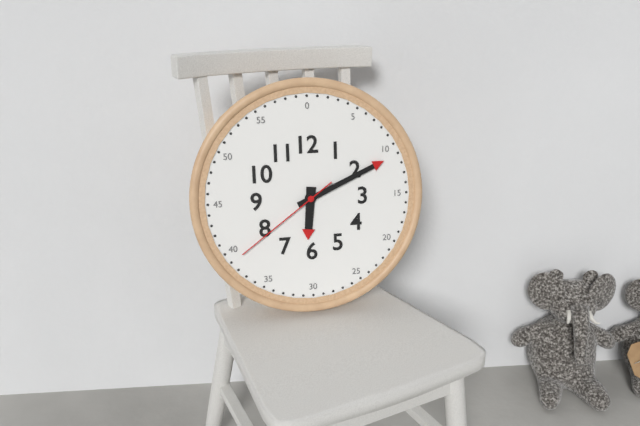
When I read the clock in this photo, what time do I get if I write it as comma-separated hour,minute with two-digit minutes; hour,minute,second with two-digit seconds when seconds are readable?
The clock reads 6,11,39
